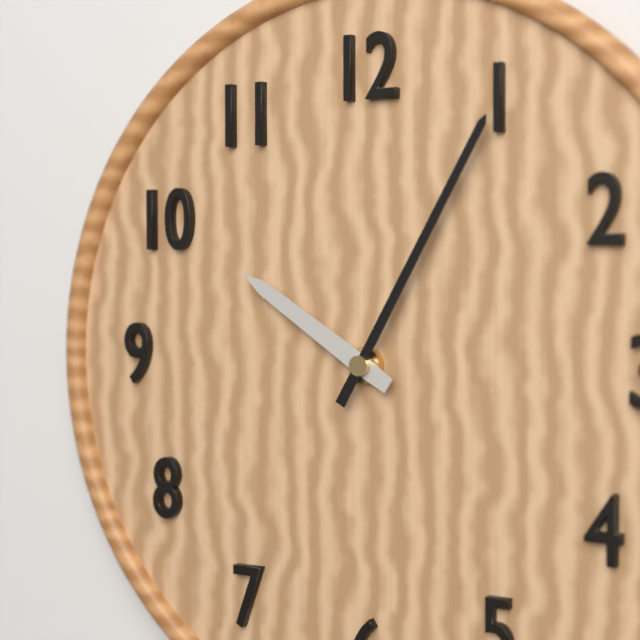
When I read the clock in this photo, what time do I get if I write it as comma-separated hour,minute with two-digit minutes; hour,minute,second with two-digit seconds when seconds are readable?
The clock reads 10,05
